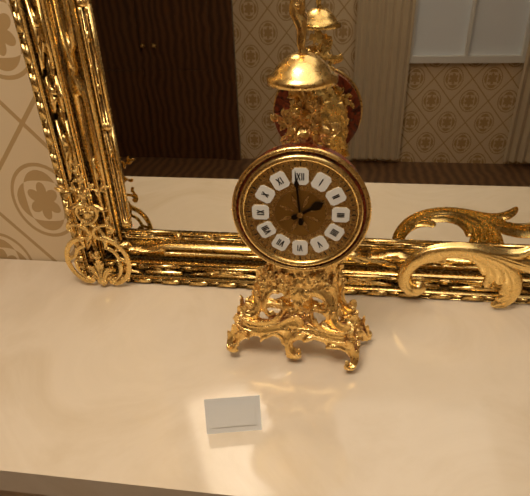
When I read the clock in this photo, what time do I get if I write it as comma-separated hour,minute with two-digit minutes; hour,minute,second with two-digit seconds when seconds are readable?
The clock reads 1,59
